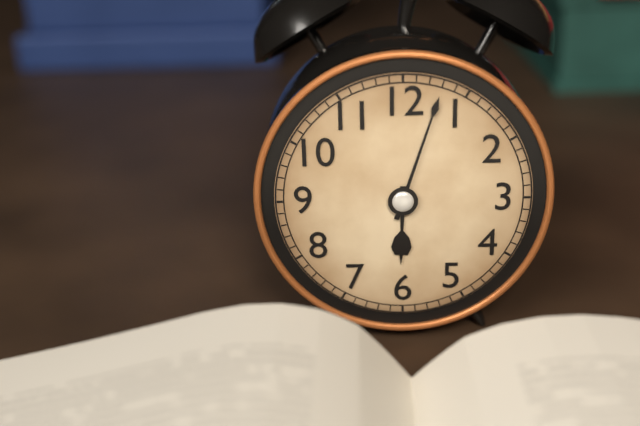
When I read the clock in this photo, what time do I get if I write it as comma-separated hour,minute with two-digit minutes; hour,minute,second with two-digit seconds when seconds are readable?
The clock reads 6,03
